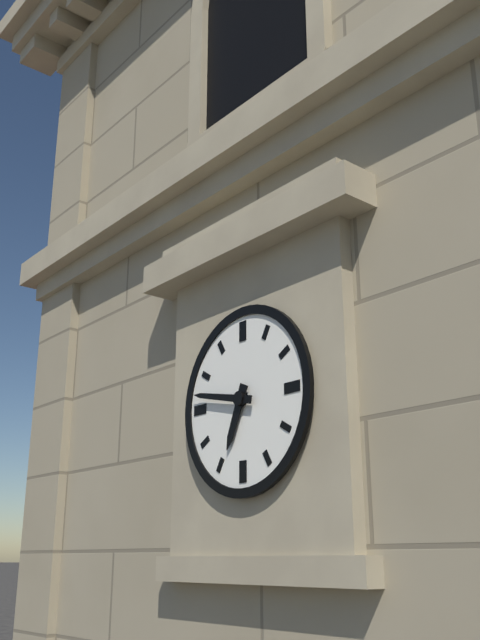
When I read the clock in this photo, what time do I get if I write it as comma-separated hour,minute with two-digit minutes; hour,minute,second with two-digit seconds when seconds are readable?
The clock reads 6,47
